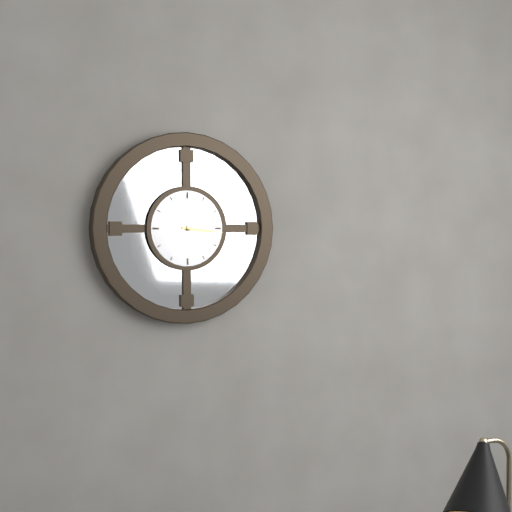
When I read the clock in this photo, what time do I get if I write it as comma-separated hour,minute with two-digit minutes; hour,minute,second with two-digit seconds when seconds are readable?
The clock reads 3,16
